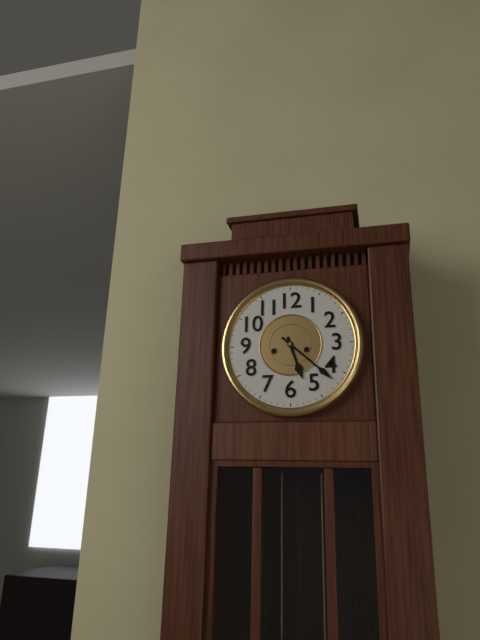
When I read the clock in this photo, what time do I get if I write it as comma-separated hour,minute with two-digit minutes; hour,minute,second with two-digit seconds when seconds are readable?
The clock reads 5,22
